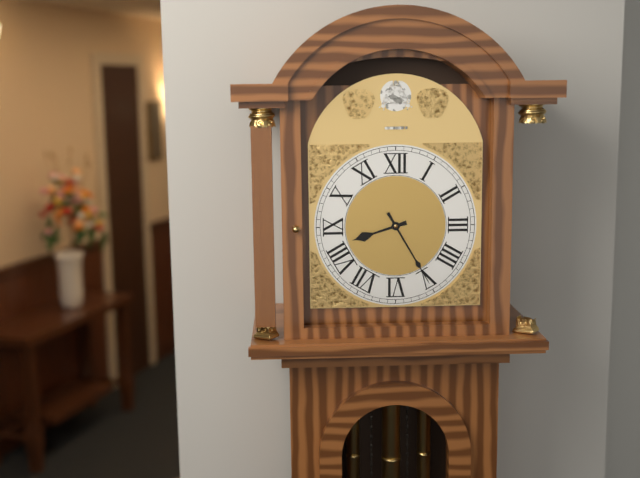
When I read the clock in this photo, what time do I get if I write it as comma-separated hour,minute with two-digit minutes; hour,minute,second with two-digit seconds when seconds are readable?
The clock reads 8,25
